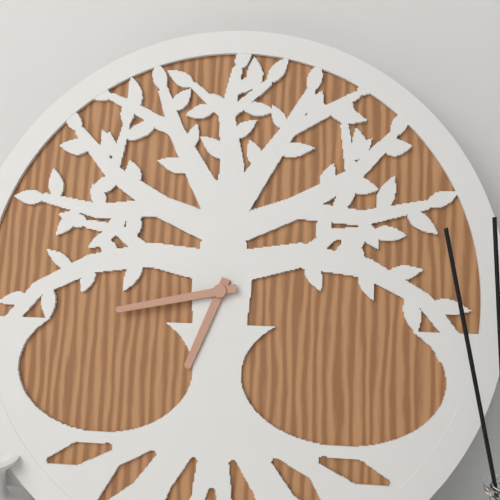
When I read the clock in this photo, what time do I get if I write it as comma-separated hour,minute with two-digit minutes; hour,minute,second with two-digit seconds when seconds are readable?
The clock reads 6,43
